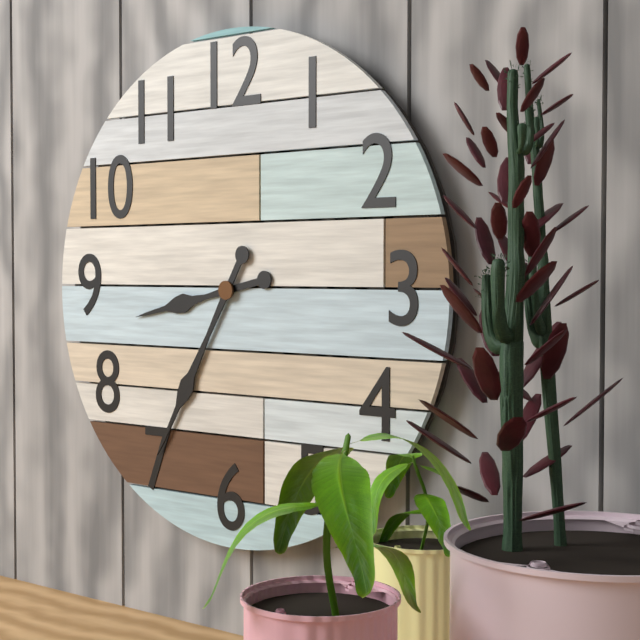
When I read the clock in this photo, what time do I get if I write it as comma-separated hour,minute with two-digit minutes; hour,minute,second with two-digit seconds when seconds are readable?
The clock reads 8,35
